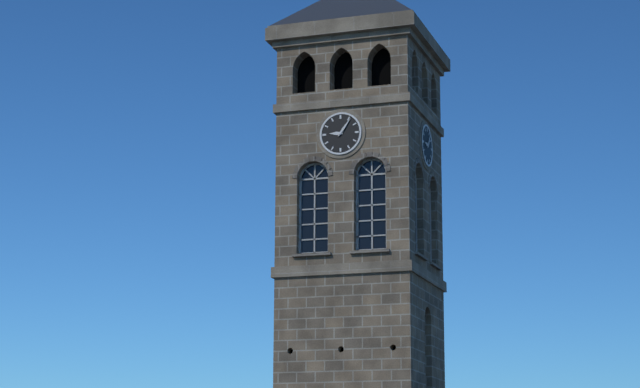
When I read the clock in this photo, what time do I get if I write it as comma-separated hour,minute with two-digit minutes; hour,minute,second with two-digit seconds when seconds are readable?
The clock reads 9,06
